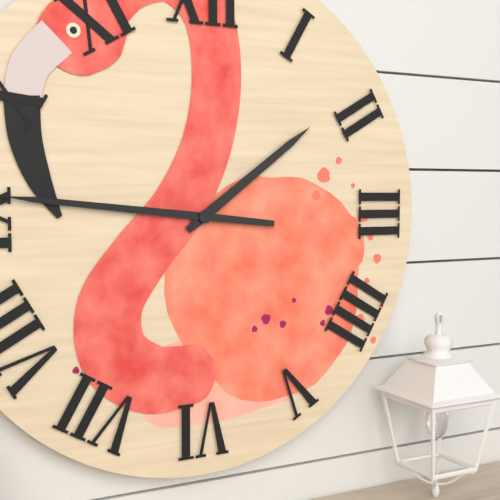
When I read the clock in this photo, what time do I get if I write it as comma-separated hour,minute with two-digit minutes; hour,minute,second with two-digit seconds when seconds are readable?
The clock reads 1,46
